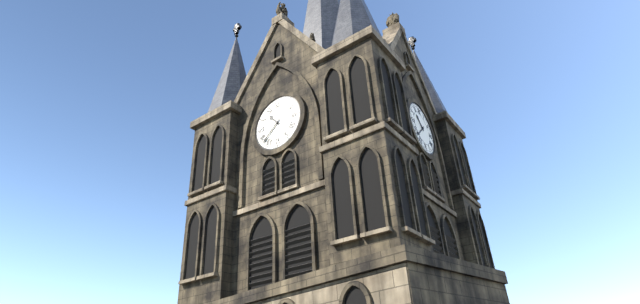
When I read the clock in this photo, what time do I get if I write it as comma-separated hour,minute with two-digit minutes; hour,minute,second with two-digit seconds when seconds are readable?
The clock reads 10,38
